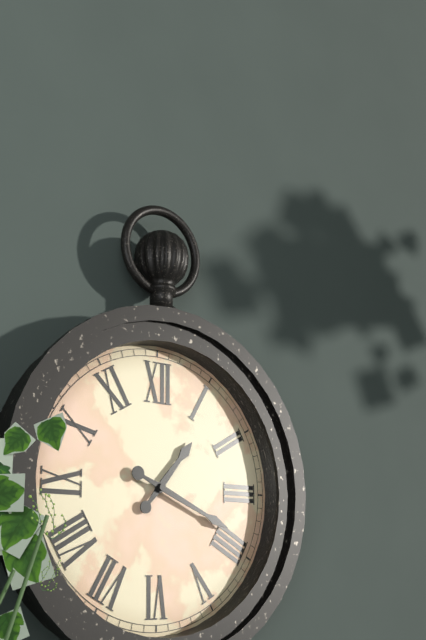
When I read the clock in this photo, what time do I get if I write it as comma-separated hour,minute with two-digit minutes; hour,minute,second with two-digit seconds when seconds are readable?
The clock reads 1,19
